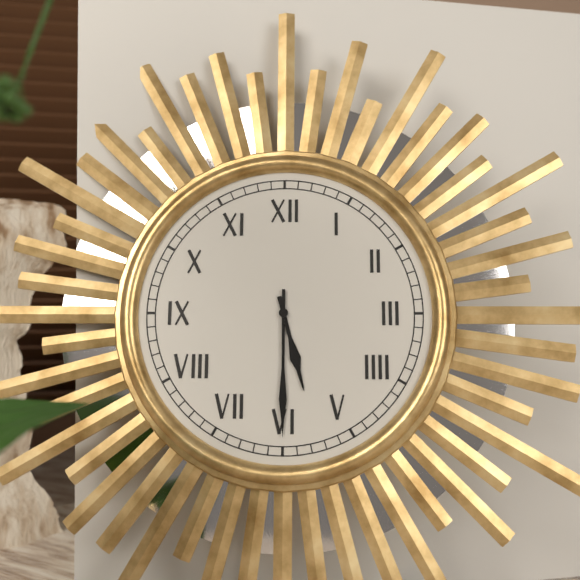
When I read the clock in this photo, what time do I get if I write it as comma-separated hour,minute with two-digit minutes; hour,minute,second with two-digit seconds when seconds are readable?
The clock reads 5,30
